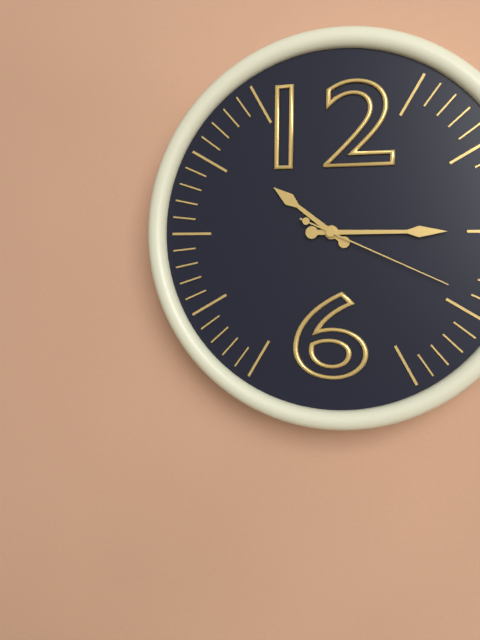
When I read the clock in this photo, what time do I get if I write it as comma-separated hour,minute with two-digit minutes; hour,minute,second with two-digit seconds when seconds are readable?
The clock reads 10,15,19
